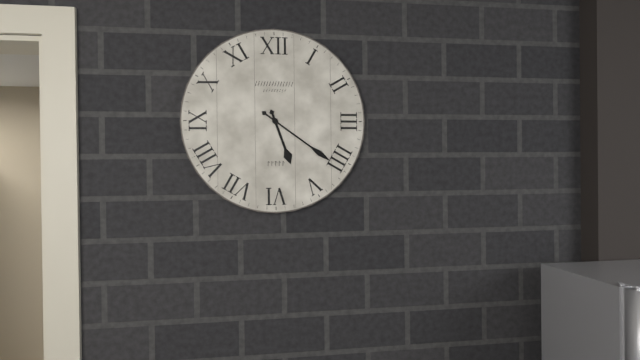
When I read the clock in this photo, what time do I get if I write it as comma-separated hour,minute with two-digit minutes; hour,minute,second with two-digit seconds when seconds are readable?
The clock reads 5,21
